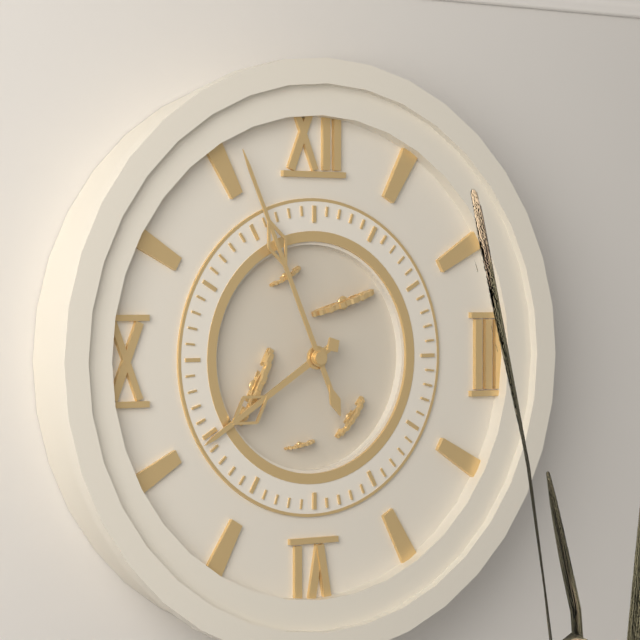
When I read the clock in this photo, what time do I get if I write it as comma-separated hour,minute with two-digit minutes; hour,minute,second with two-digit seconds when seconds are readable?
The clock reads 7,56
